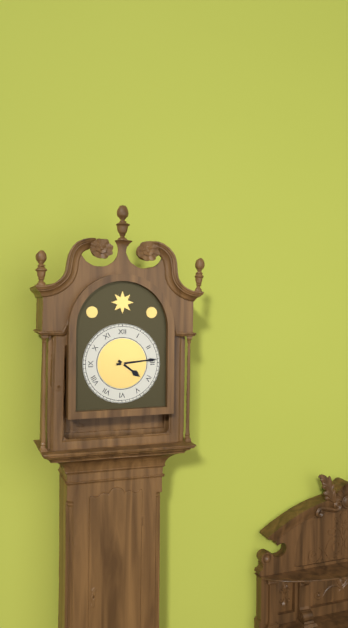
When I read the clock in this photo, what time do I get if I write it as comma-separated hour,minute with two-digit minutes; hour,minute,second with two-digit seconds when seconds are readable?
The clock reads 4,14
